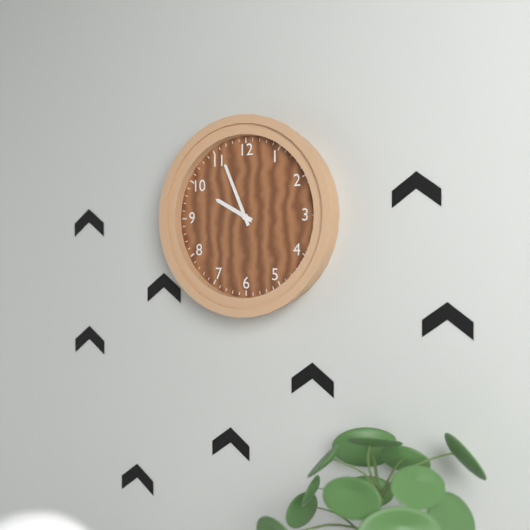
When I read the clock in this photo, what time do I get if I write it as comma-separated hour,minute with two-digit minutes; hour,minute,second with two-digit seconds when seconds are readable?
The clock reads 9,56
